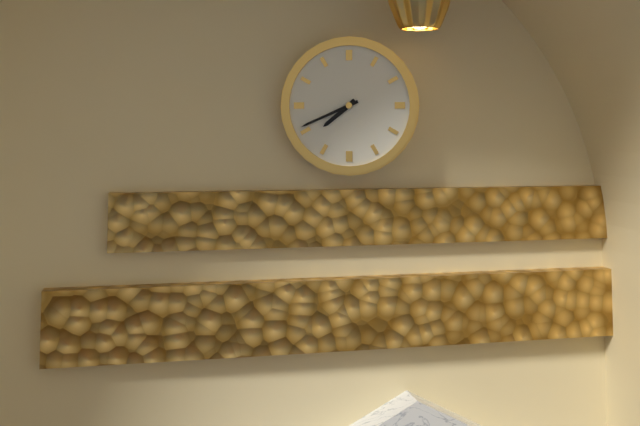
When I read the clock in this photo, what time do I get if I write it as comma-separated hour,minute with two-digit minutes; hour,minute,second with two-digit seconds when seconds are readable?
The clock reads 7,41
